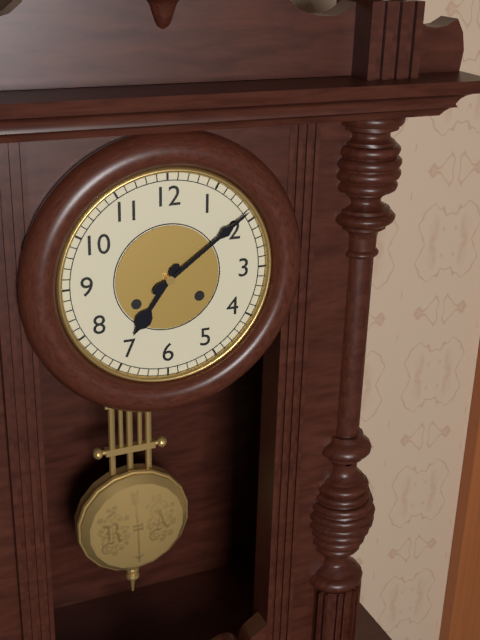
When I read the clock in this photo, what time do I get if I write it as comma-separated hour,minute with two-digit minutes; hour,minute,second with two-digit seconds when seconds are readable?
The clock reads 7,09
